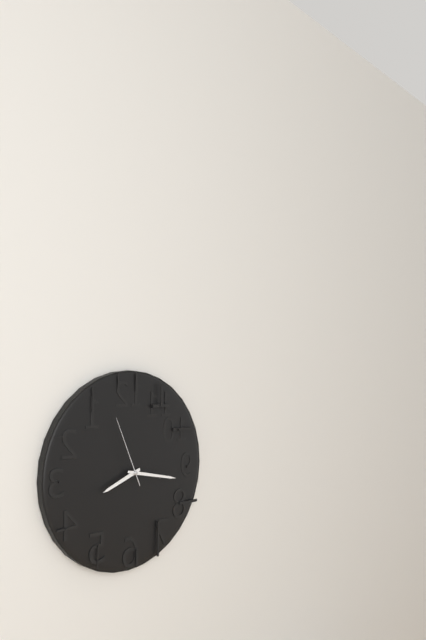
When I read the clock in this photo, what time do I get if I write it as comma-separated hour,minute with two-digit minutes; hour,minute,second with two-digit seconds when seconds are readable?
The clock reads 8,17,56
